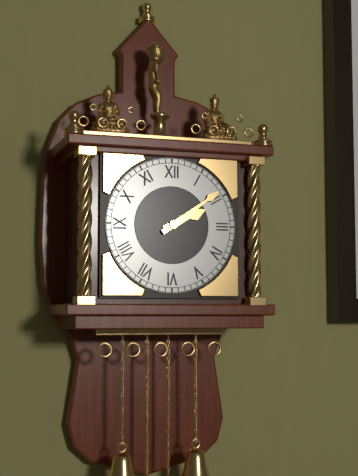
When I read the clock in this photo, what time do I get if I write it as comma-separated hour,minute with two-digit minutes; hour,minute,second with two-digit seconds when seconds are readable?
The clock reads 2,09
